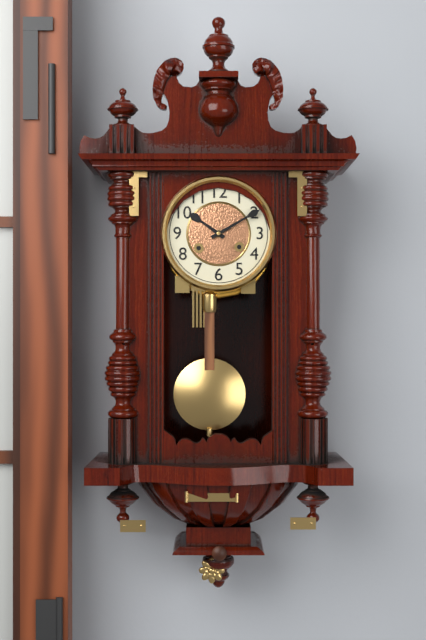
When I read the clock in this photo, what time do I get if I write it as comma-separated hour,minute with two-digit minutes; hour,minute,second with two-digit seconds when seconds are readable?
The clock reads 10,10
